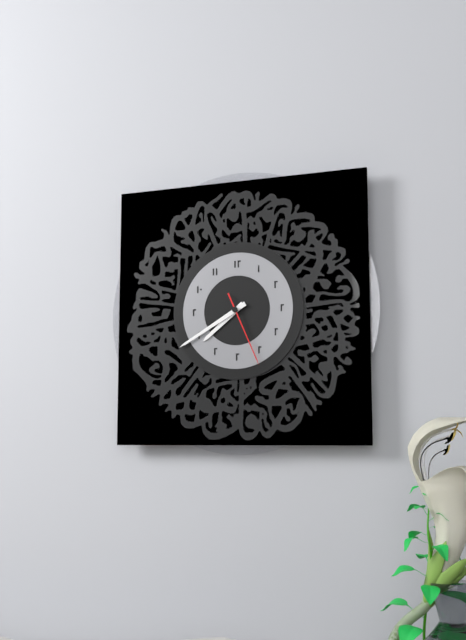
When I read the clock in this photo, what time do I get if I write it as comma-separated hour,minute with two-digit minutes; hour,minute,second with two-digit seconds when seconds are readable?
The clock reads 7,40,26
